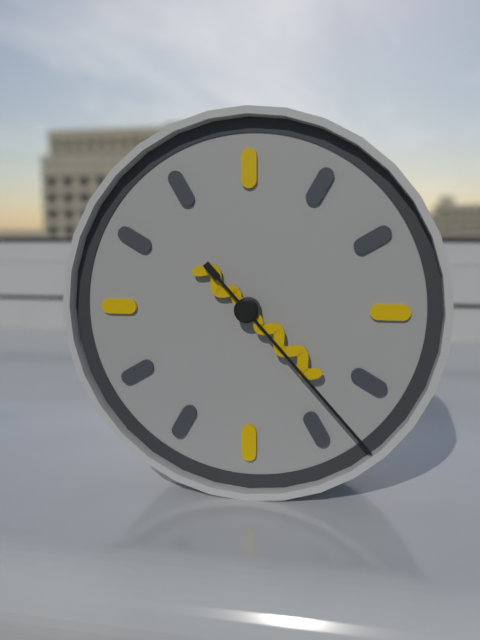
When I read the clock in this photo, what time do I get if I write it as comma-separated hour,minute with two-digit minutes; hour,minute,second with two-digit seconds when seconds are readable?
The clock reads 10,22,23
